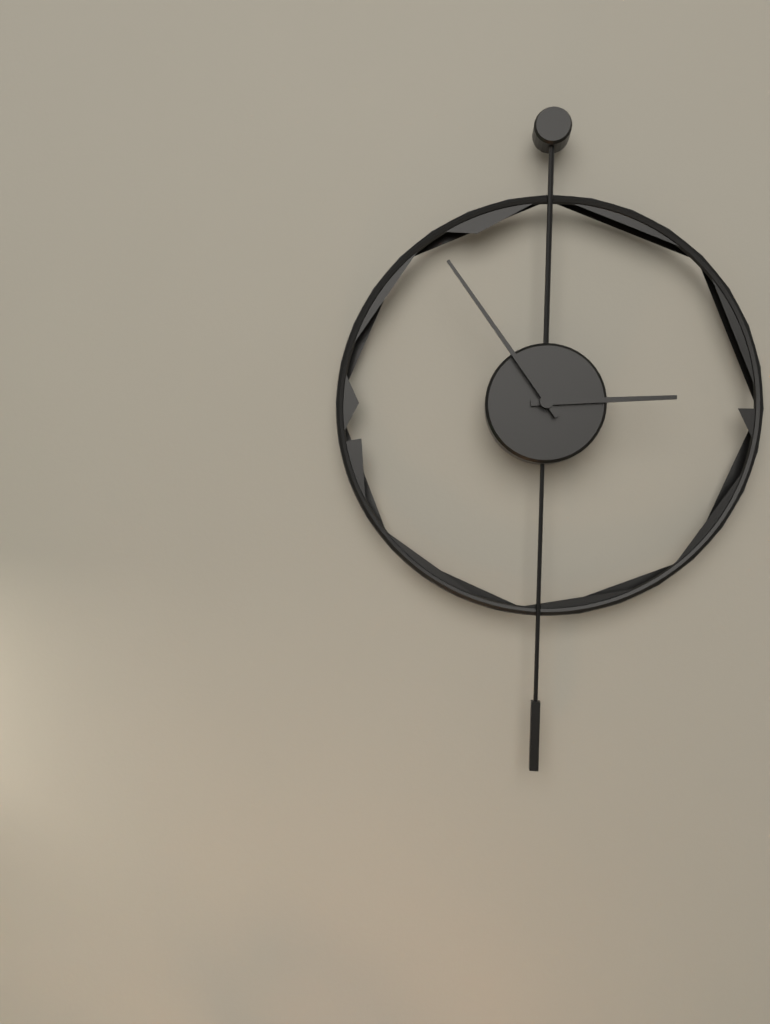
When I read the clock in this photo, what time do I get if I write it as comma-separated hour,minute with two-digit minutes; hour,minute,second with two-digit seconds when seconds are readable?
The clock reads 2,54
